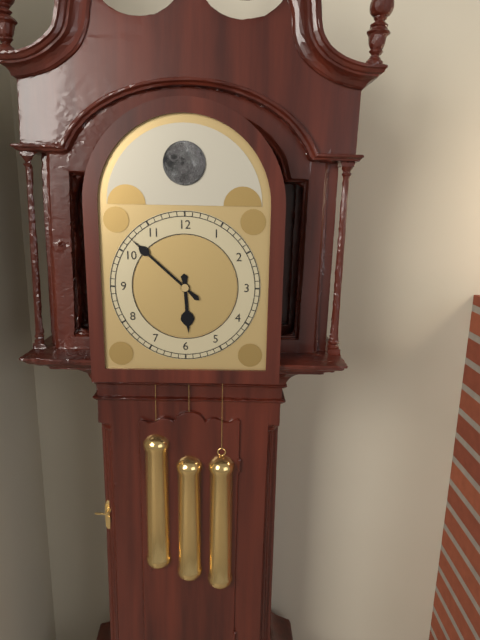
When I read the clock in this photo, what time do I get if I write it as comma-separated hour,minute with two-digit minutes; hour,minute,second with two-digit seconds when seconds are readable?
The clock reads 5,52
